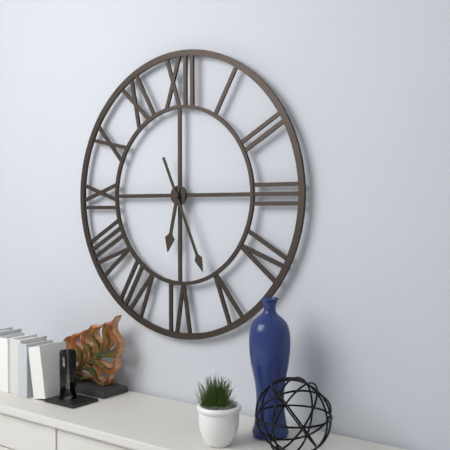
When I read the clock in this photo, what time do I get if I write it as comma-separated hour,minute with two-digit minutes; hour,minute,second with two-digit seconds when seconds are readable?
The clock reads 6,26
